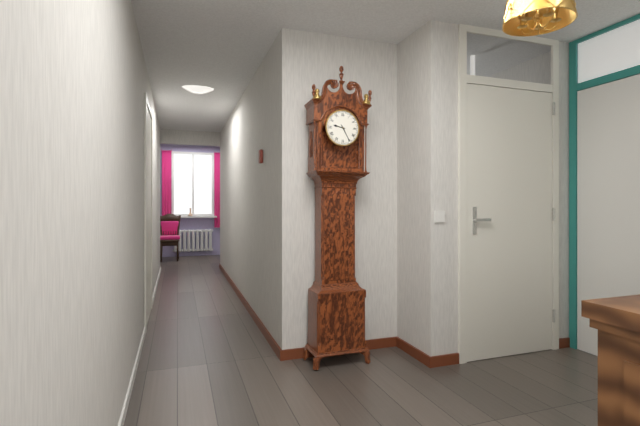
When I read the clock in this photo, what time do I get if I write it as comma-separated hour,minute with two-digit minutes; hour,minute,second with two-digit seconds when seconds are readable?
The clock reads 9,25
